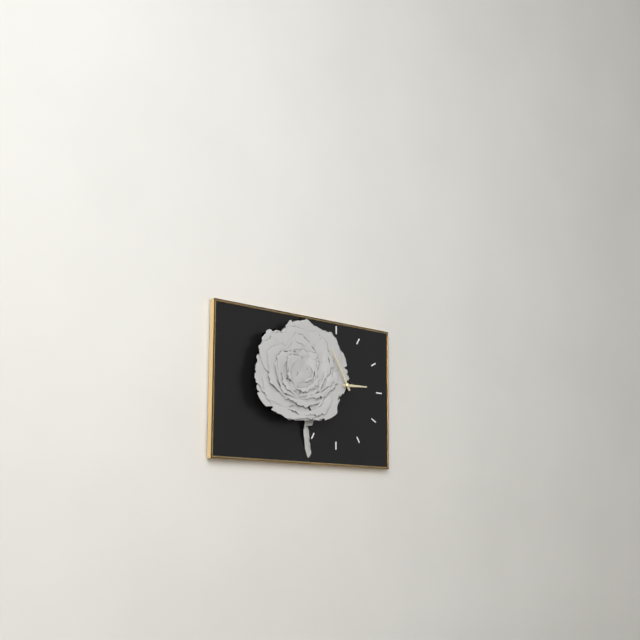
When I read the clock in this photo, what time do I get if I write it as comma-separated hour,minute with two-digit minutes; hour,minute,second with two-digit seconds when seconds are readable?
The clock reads 2,55
